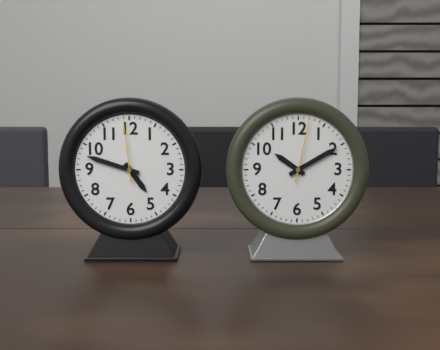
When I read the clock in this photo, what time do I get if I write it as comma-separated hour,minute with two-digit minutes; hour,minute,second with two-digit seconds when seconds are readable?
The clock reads 4,48,59
